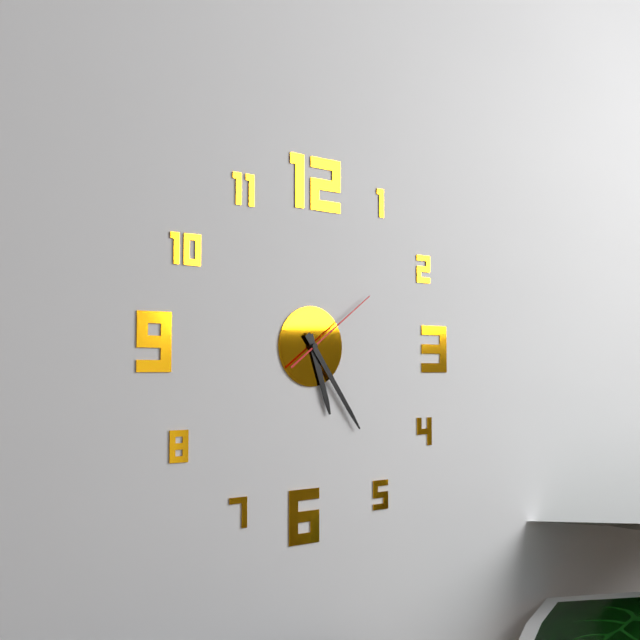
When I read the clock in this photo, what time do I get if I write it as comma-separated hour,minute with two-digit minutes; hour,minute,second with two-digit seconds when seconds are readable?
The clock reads 5,24,09
